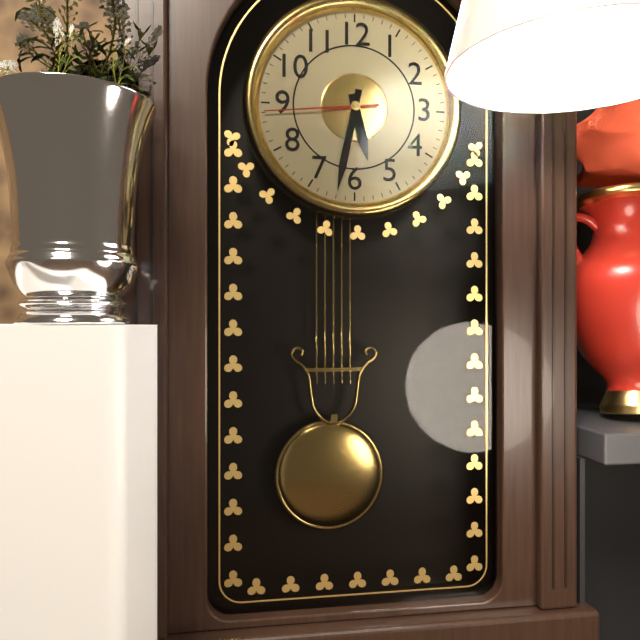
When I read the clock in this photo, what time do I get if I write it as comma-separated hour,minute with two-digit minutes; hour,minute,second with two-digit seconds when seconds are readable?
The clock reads 5,32,44
